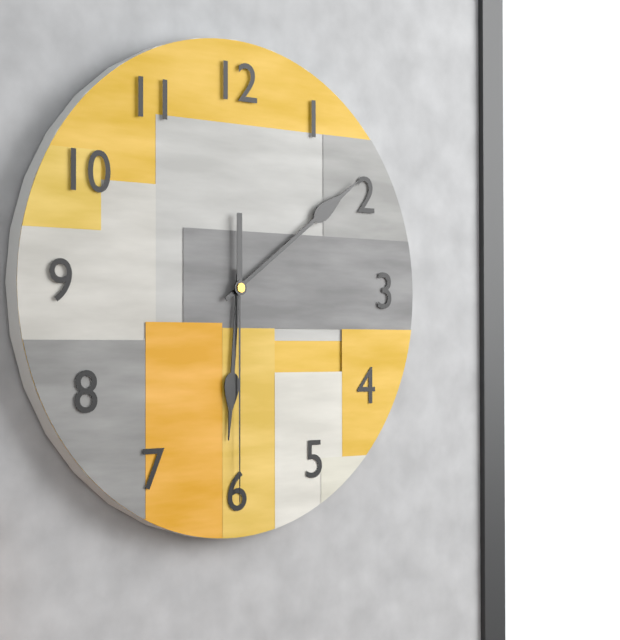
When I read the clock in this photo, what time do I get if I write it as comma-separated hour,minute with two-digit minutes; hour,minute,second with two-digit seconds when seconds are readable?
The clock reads 6,09,30
